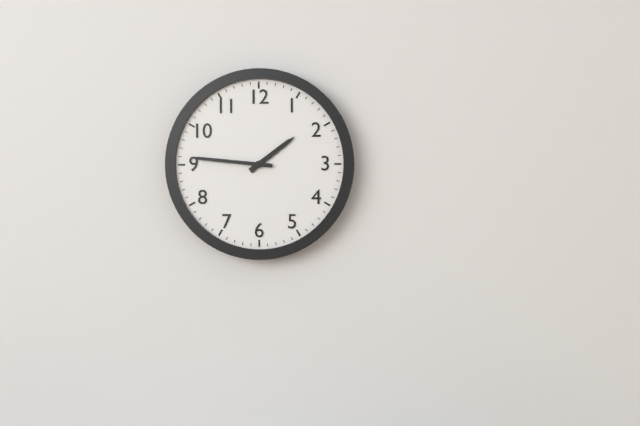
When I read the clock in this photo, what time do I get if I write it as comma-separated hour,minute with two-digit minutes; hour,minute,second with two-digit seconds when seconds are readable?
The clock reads 1,46
